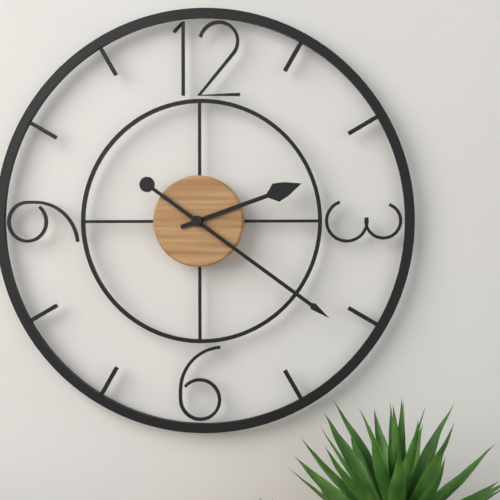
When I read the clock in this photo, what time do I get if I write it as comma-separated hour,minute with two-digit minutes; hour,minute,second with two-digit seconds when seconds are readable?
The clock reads 2,21
